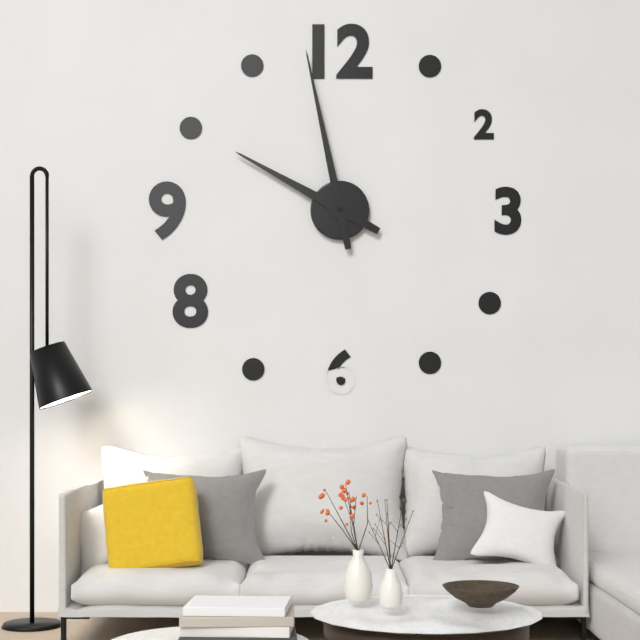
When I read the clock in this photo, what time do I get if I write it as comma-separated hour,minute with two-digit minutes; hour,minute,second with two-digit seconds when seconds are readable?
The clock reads 9,58
